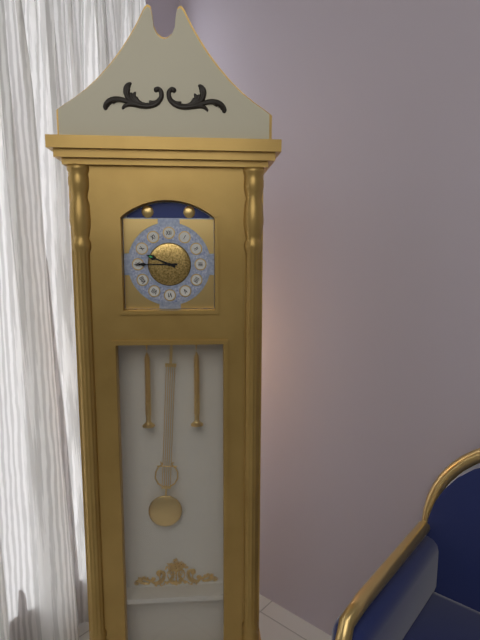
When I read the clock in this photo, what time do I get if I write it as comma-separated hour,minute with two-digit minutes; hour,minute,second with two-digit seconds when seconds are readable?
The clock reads 9,45
